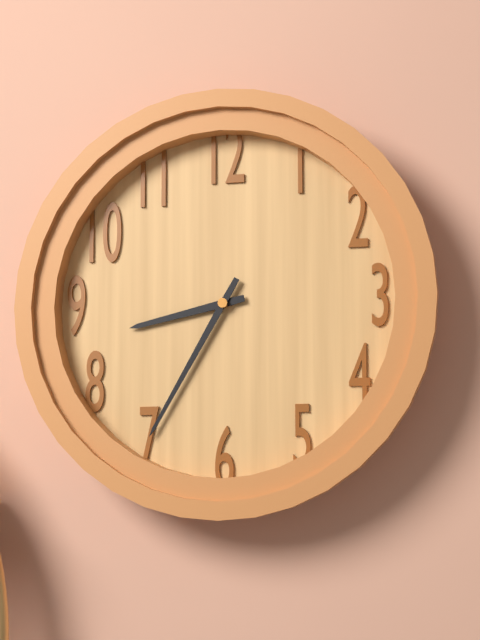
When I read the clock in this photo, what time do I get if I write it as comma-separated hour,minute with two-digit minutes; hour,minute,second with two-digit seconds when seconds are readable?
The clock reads 8,35
